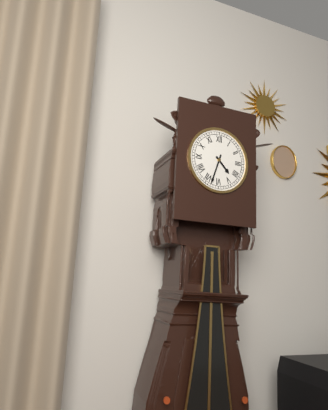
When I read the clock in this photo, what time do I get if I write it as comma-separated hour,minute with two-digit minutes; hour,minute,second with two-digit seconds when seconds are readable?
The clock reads 4,33
